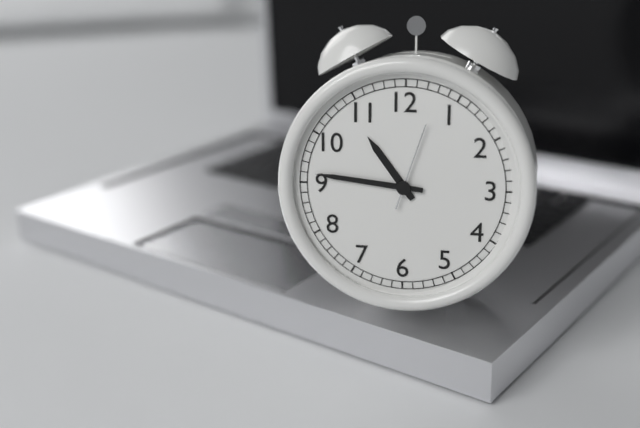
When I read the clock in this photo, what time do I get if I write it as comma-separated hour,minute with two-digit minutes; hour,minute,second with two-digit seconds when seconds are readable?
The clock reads 10,46,03
